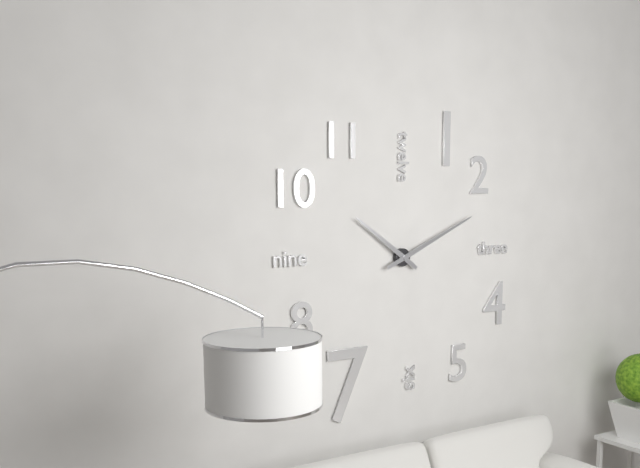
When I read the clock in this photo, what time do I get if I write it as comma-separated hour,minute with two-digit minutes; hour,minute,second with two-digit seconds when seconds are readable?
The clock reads 10,11
